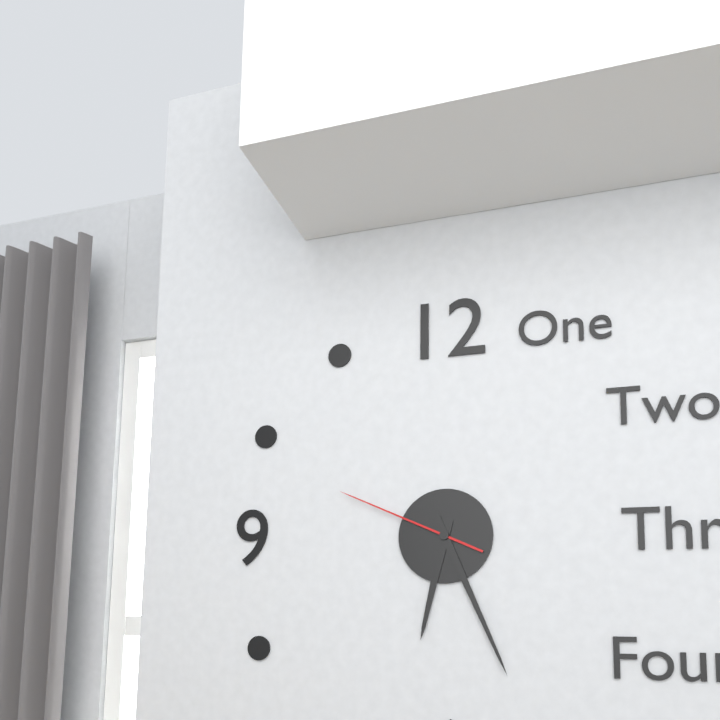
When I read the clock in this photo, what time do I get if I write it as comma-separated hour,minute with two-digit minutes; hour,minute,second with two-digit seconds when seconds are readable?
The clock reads 6,26,49
